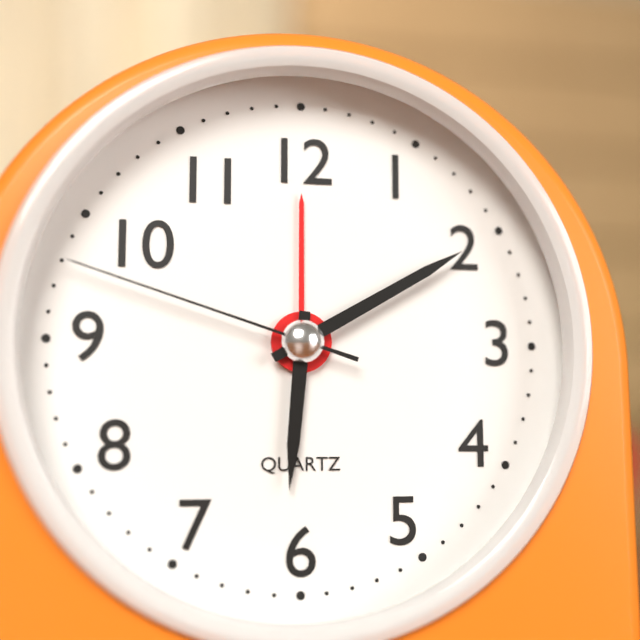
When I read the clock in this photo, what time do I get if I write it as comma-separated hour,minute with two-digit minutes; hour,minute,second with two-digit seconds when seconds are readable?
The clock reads 6,10,48
